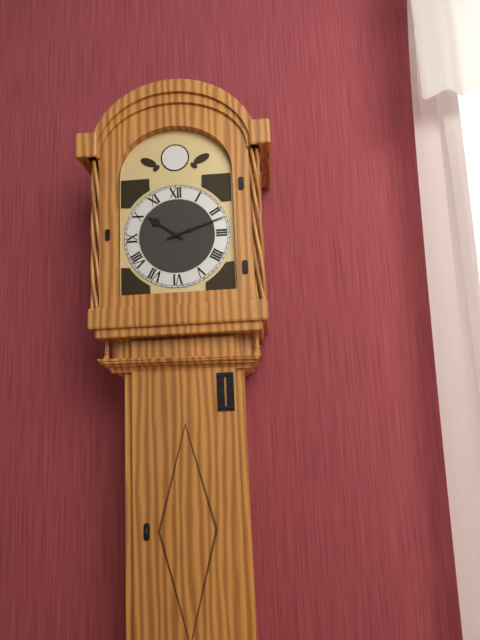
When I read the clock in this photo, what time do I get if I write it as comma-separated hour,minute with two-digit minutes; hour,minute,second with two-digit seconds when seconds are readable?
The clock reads 10,12
